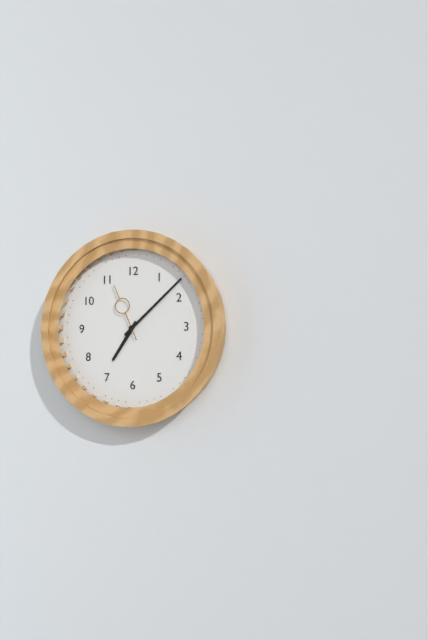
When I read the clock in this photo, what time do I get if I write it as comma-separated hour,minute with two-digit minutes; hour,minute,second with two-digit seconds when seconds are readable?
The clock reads 7,08,56
